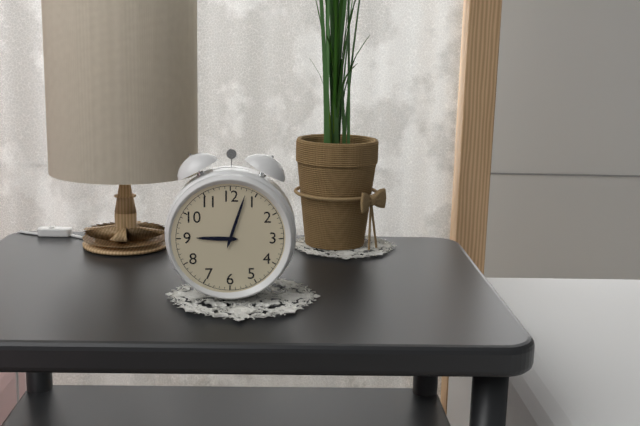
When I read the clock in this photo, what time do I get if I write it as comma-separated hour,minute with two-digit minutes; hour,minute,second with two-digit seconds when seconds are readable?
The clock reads 9,03
